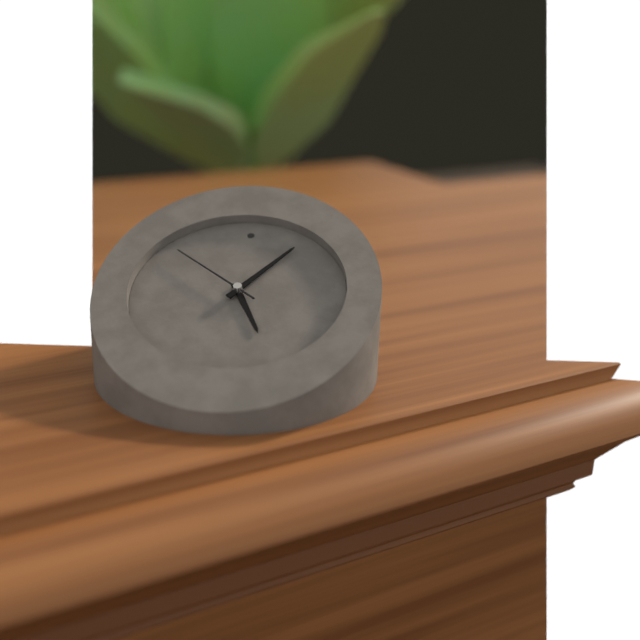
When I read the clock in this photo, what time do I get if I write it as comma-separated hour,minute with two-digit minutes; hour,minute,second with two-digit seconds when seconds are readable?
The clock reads 5,06,51
